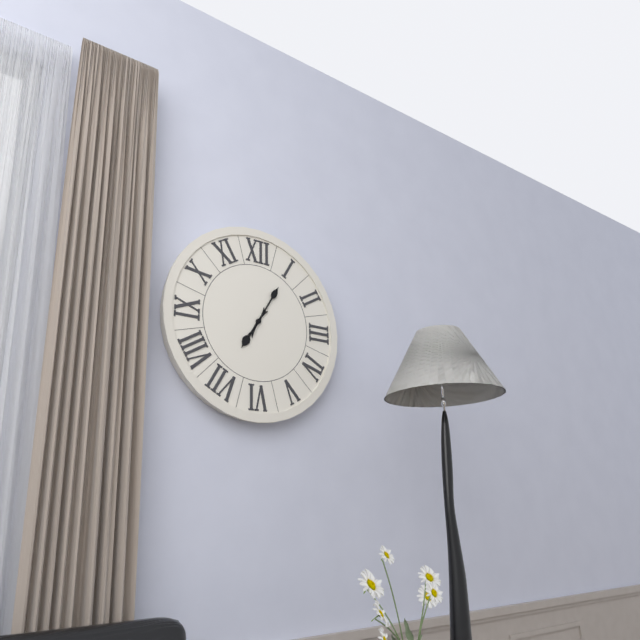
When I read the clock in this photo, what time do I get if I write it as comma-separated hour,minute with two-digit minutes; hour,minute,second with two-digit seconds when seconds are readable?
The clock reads 7,05
